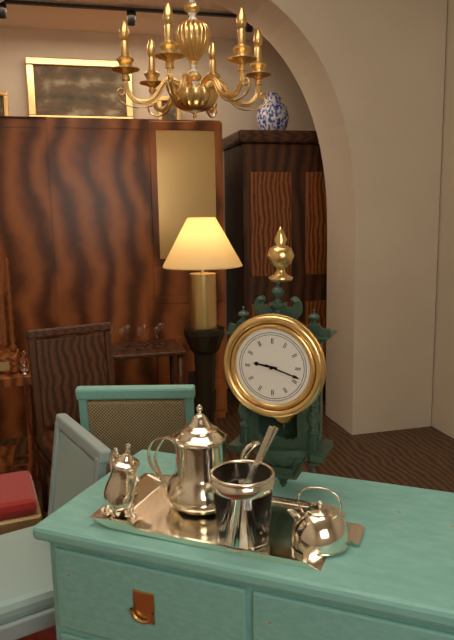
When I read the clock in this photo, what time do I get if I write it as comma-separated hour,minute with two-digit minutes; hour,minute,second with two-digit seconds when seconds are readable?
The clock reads 9,18
